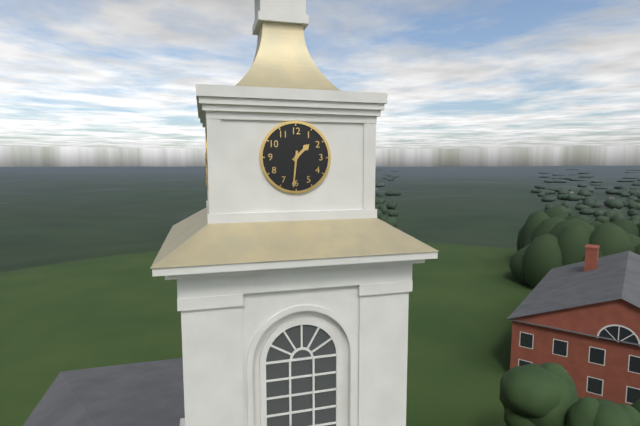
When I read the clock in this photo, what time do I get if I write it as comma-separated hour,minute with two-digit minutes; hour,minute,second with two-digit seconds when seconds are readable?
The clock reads 1,31
